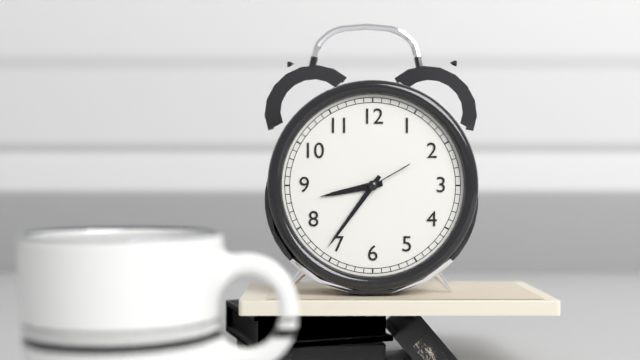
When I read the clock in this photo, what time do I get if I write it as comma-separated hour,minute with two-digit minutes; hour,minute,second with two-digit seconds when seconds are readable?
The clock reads 8,36,10
